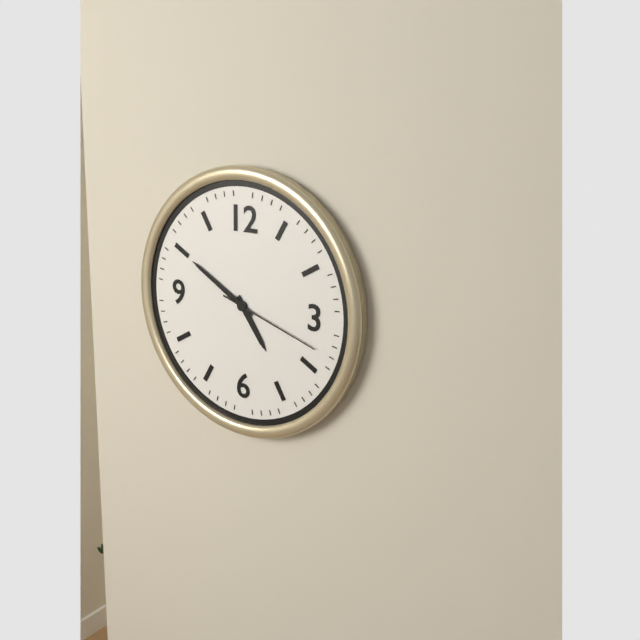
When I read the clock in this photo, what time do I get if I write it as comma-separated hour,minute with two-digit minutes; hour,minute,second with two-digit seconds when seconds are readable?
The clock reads 4,50,18
